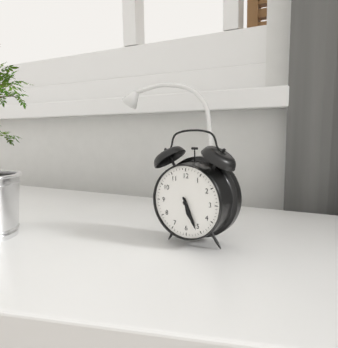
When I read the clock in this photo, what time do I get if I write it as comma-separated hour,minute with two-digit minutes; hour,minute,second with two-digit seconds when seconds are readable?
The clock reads 5,26
